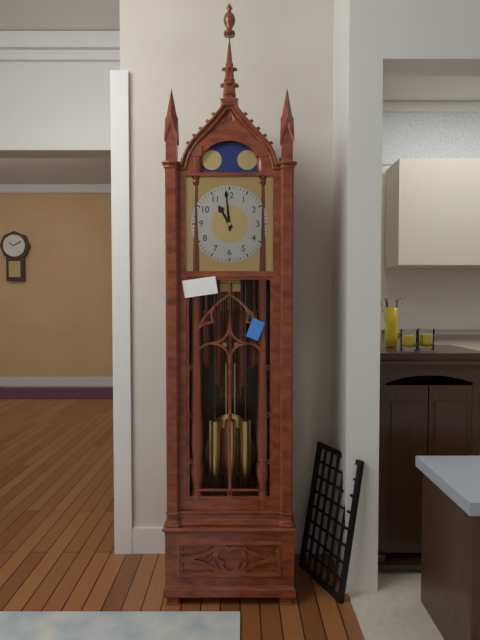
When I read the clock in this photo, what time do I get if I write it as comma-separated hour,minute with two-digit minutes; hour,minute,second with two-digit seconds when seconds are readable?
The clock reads 10,59
